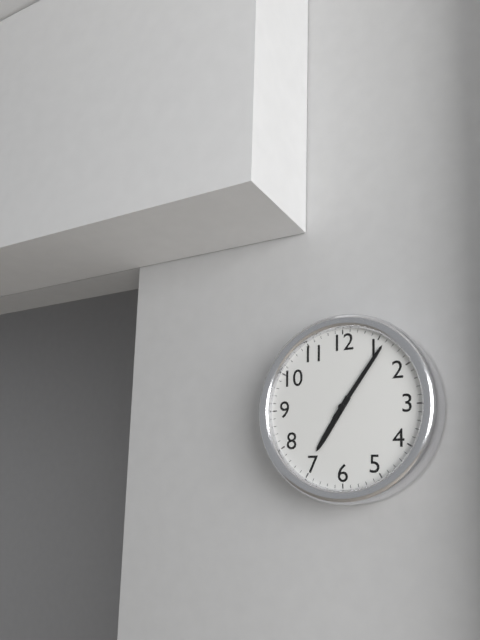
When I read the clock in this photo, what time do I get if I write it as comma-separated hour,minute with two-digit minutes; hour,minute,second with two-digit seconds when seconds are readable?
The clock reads 7,06
